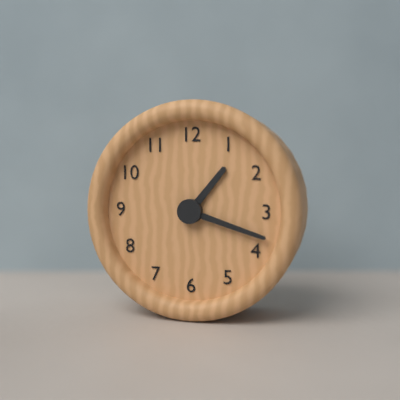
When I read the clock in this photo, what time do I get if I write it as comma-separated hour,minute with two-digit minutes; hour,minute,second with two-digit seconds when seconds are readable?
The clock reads 1,18
